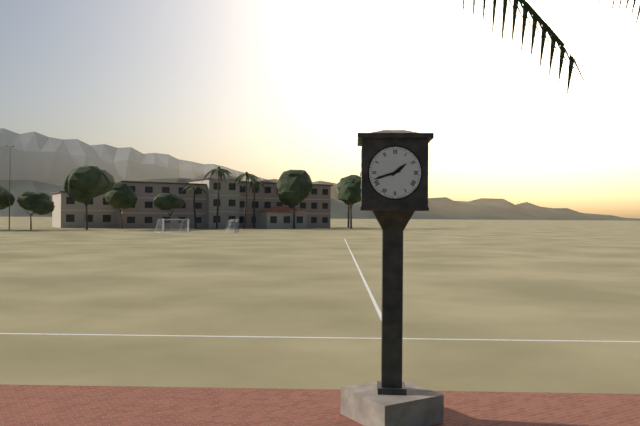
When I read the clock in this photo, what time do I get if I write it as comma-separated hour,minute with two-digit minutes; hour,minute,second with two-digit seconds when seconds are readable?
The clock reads 1,42
